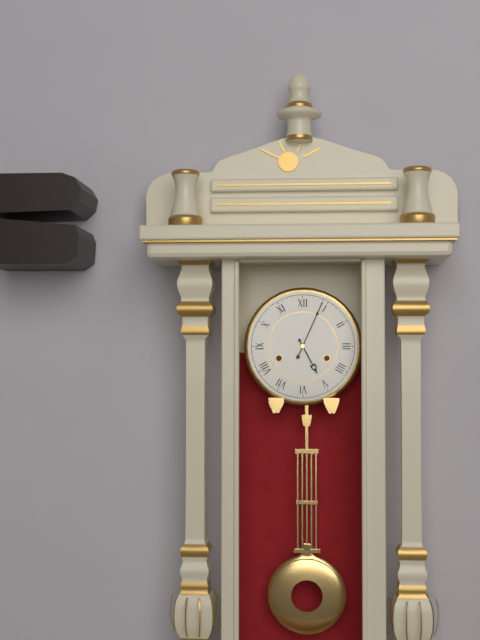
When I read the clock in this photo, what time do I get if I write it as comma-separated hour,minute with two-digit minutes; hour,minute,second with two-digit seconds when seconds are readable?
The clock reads 5,04
